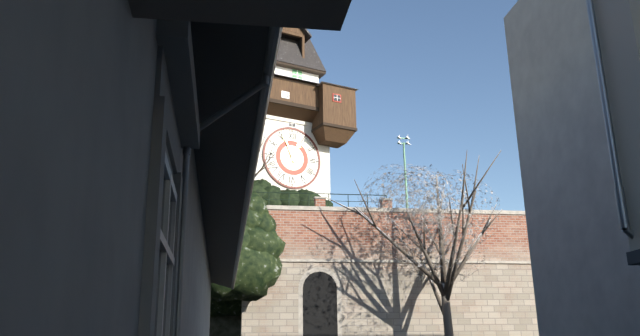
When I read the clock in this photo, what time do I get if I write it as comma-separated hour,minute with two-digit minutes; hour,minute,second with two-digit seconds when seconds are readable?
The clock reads 12,56
